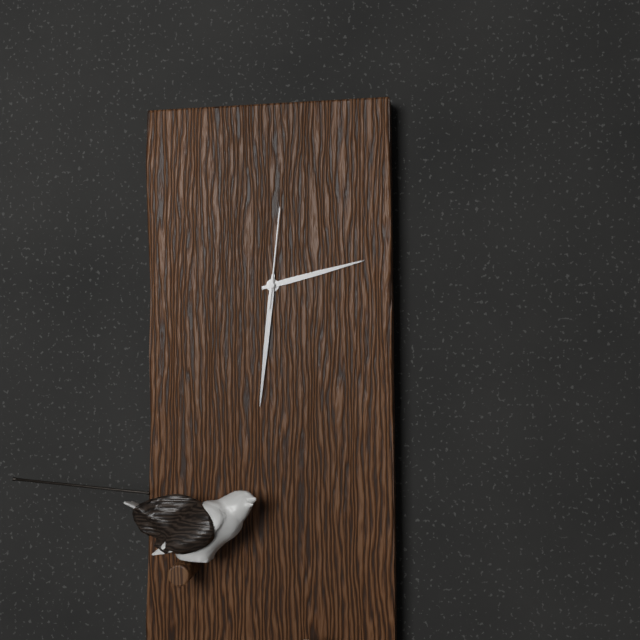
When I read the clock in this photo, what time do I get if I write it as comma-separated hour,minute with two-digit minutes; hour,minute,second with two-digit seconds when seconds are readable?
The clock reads 2,31,01
